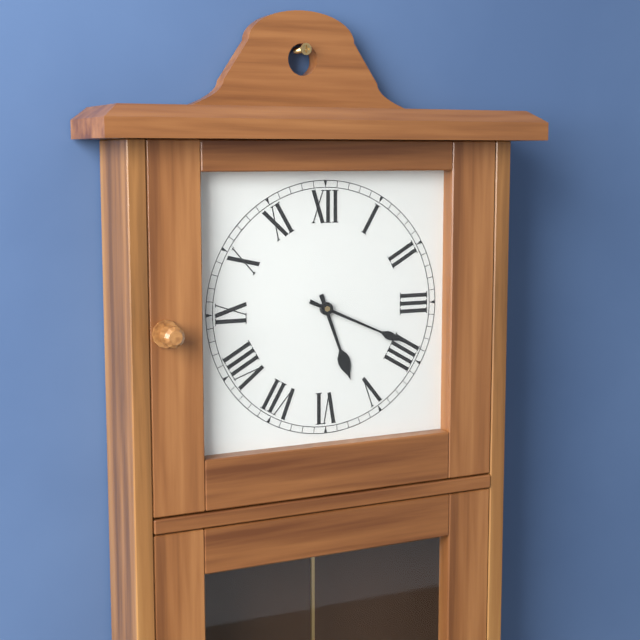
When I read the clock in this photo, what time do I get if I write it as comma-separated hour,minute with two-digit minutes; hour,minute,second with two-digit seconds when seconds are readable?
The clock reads 5,19
